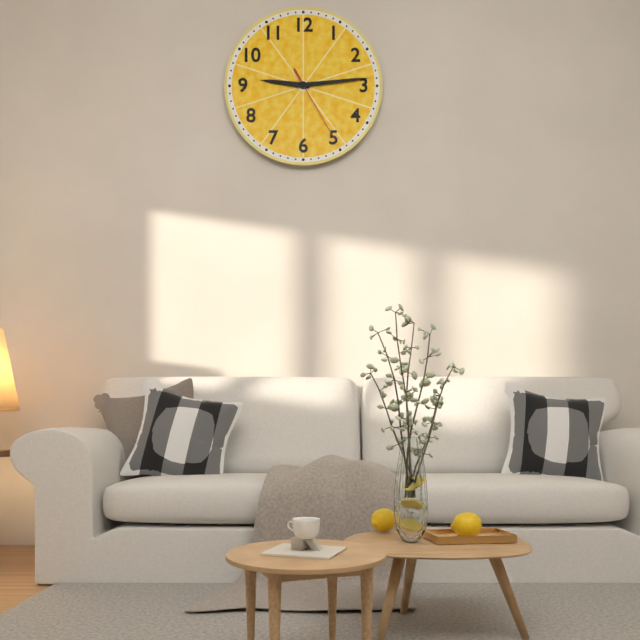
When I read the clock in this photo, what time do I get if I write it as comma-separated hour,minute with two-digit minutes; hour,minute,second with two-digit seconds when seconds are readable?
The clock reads 9,14,25
